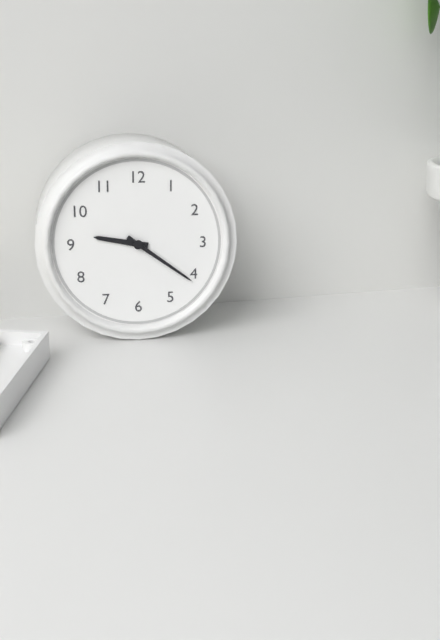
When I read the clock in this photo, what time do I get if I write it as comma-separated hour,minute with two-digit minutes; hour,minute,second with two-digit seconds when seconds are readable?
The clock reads 9,21
